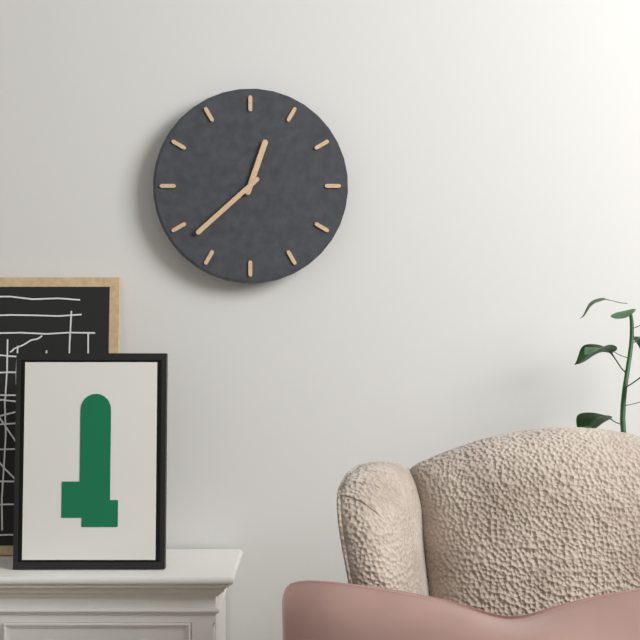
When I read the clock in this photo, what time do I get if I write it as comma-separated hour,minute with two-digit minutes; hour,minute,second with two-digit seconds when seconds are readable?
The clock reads 12,38
